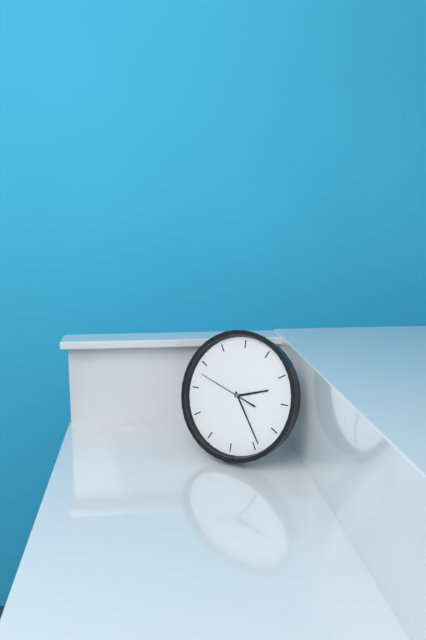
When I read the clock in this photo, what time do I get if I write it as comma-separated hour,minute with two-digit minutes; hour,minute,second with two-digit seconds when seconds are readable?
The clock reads 2,24,48
